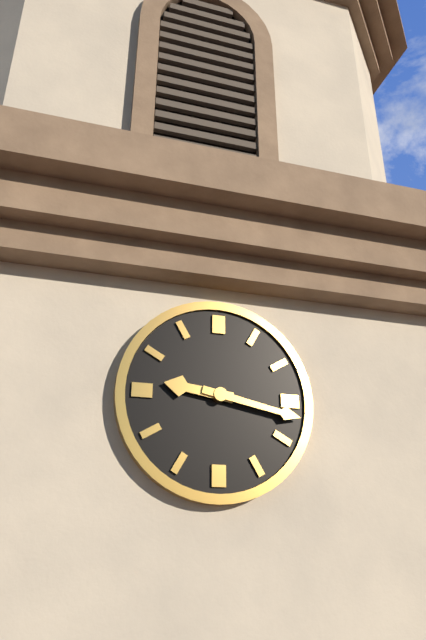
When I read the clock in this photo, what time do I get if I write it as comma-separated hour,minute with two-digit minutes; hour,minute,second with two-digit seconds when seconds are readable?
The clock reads 9,17
